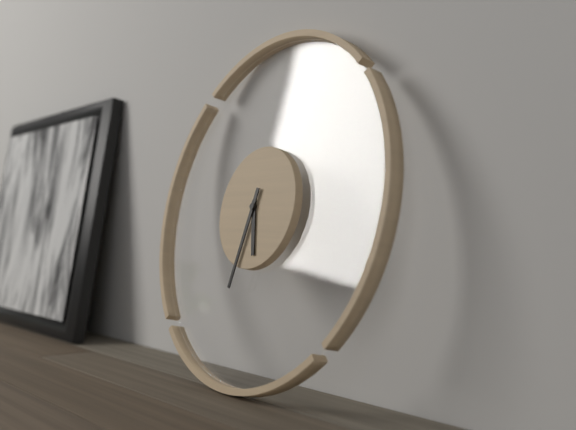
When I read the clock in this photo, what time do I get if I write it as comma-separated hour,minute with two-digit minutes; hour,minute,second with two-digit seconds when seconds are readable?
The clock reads 5,32
